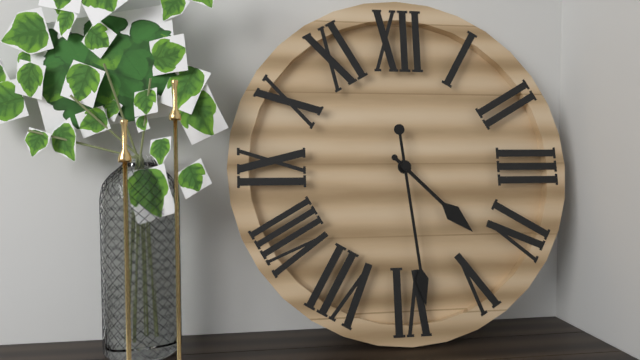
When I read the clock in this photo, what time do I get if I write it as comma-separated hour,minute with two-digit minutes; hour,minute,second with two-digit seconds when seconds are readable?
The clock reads 4,29
